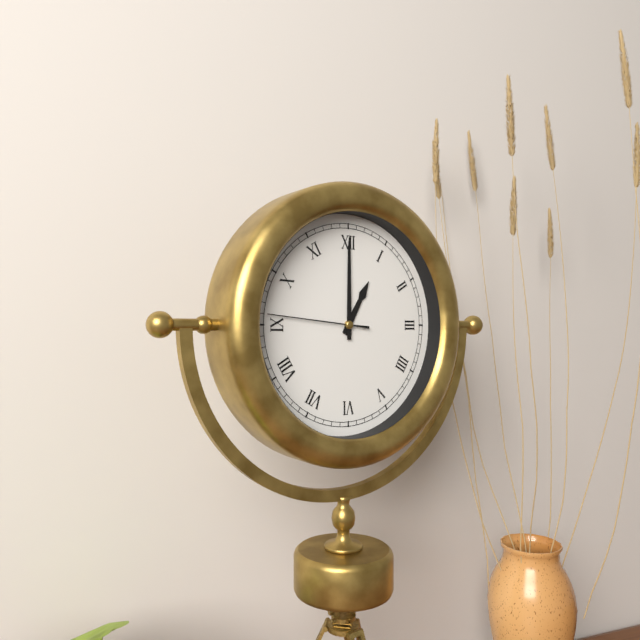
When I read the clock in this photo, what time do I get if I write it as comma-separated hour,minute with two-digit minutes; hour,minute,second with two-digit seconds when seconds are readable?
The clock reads 1,00,46
